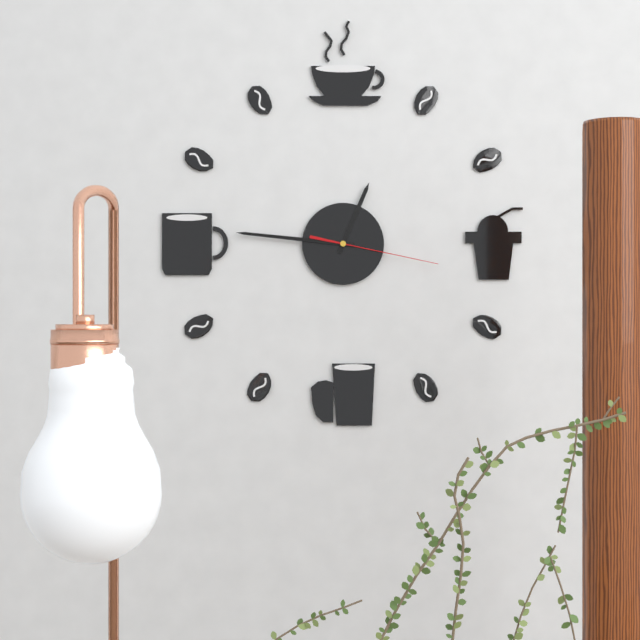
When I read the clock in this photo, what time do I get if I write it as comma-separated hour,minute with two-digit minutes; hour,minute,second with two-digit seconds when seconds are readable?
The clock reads 12,46,17
